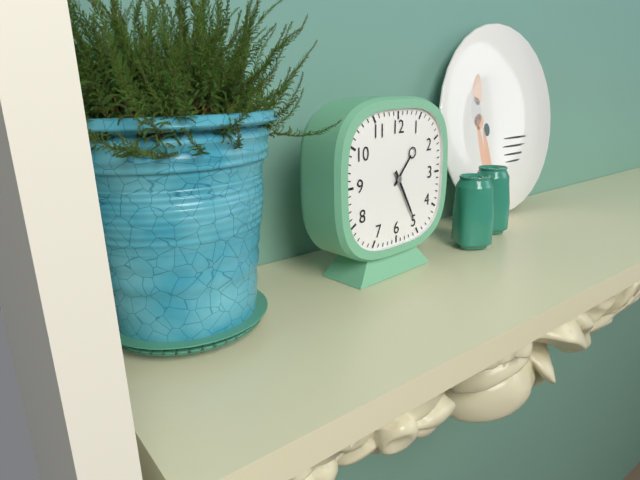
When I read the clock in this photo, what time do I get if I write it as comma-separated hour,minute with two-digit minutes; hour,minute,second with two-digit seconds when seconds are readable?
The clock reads 1,25
